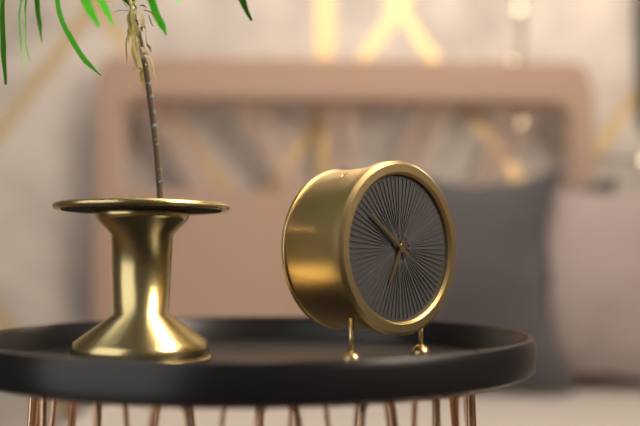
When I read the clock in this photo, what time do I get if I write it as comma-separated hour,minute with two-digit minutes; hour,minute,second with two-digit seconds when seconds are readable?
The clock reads 6,51
